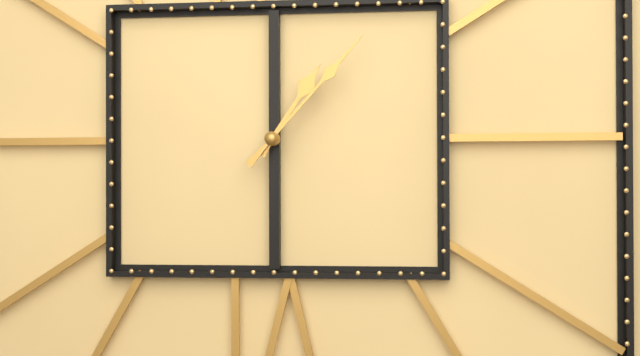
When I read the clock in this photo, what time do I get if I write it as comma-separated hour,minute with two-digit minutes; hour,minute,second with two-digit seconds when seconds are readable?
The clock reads 1,07
